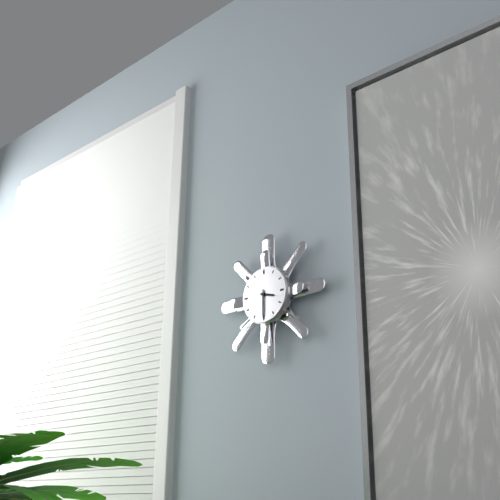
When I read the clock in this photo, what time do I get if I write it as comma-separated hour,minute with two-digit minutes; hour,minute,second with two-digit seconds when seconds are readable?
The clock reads 3,30
